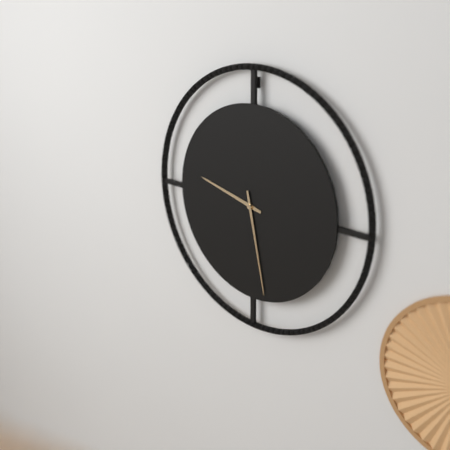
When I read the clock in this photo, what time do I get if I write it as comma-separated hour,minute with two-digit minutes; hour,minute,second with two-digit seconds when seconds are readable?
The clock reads 9,28
